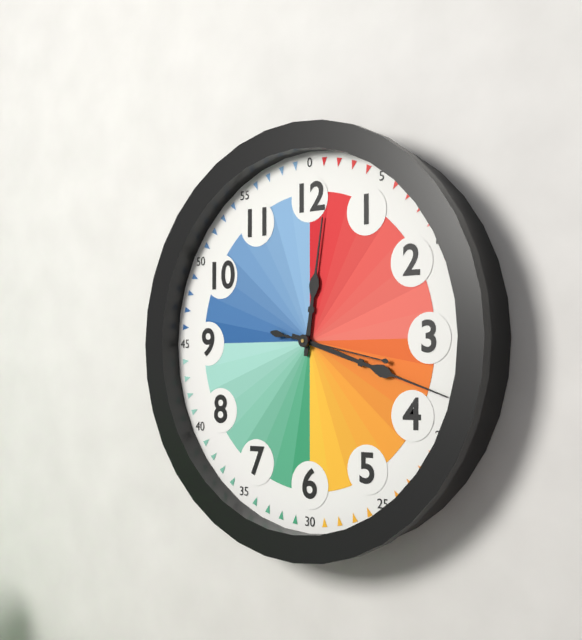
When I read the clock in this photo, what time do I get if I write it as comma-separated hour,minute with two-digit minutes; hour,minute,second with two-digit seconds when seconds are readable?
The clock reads 12,18,17
